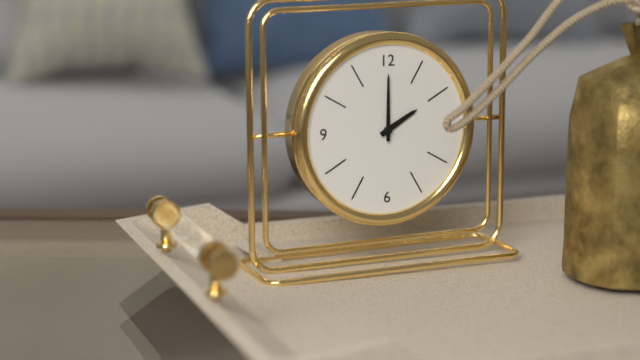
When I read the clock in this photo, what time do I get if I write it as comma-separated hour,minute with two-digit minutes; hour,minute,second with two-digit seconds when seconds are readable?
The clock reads 2,00
